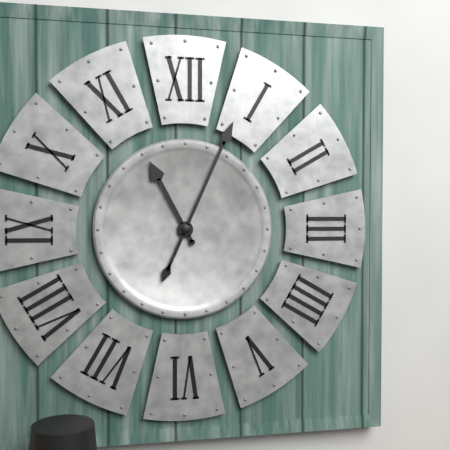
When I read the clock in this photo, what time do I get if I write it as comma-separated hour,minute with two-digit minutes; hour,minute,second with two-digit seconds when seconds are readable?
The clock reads 11,04
